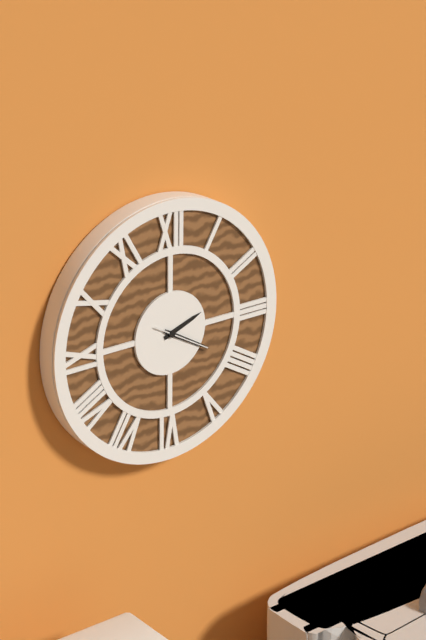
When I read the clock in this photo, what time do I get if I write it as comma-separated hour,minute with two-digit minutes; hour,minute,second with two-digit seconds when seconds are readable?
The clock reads 2,20,20
